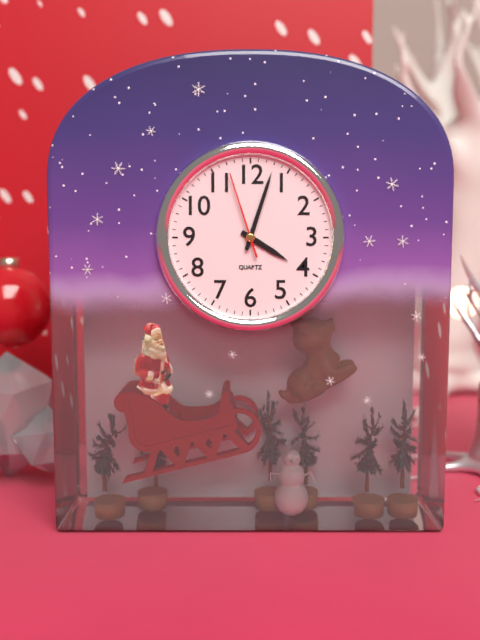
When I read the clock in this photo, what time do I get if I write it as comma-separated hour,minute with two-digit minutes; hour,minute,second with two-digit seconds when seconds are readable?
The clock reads 4,03,57
